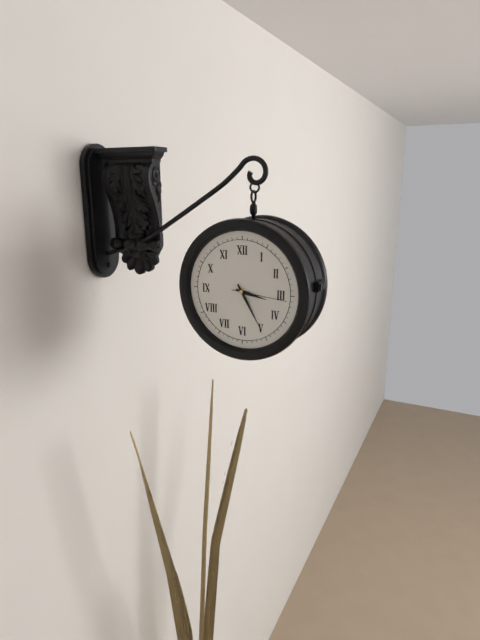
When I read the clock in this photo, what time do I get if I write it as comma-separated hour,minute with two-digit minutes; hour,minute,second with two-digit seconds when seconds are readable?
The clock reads 3,25,16
